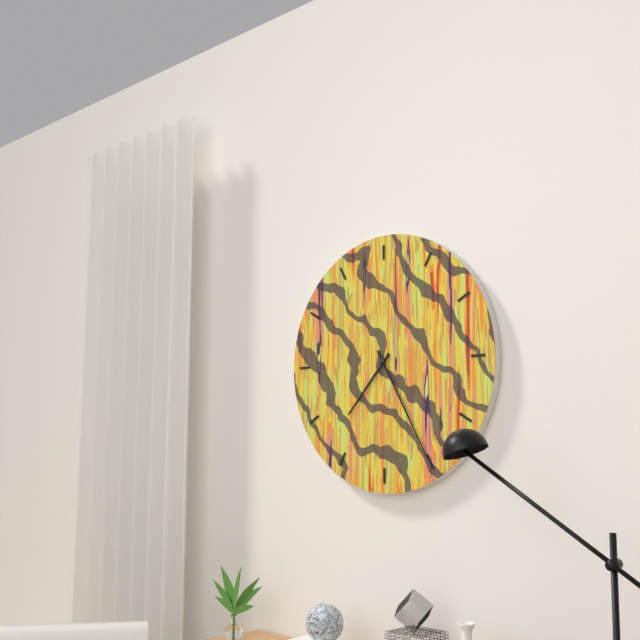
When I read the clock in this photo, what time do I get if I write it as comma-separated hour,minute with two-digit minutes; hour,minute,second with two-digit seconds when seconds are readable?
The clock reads 7,25
